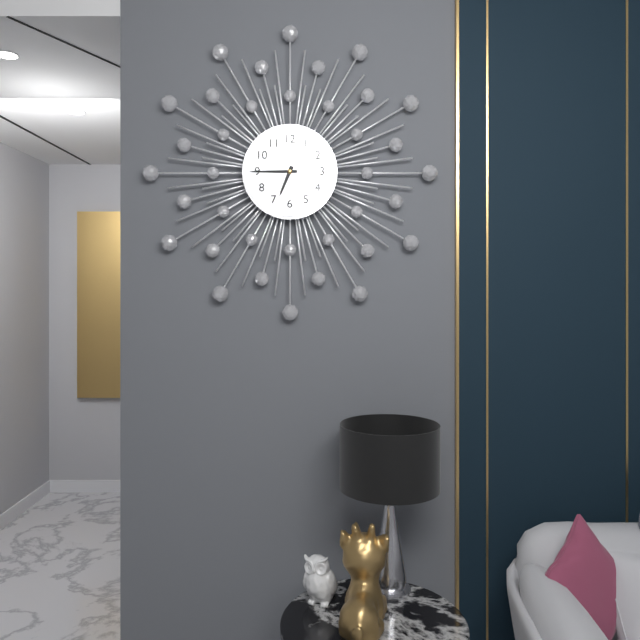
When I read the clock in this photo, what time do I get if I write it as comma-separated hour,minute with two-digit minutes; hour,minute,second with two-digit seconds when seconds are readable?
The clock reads 6,45
